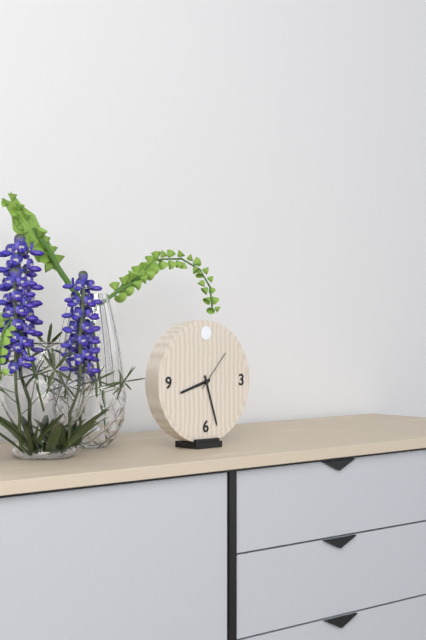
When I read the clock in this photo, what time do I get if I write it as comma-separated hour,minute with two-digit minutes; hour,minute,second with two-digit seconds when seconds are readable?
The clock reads 8,27
